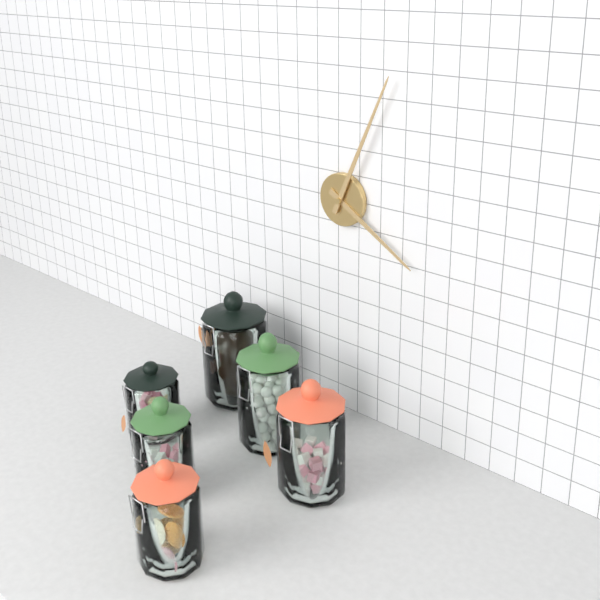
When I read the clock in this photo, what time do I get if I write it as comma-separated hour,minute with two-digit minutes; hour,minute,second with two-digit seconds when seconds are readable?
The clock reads 4,04
